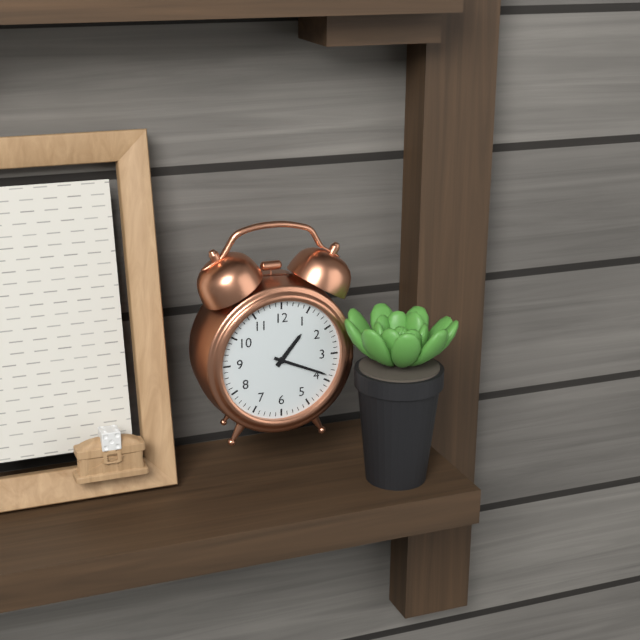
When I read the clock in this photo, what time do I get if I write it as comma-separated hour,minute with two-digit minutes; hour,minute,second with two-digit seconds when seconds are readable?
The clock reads 1,19
